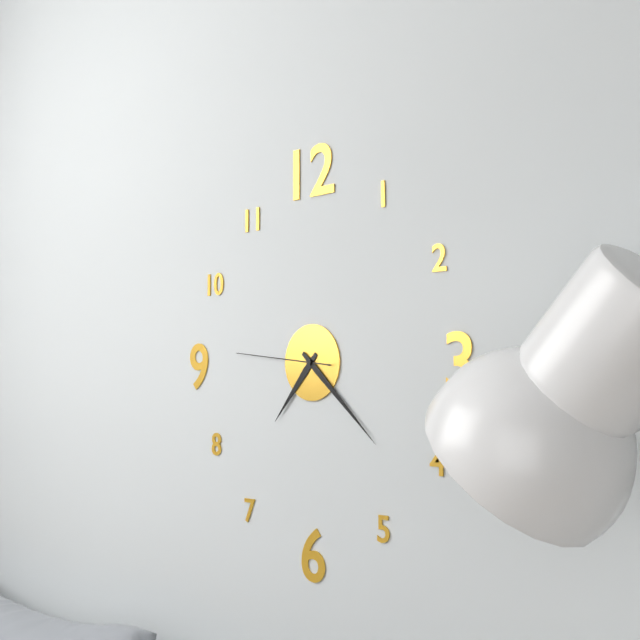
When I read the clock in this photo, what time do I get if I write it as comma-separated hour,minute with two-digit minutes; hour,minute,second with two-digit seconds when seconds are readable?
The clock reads 7,22,46
